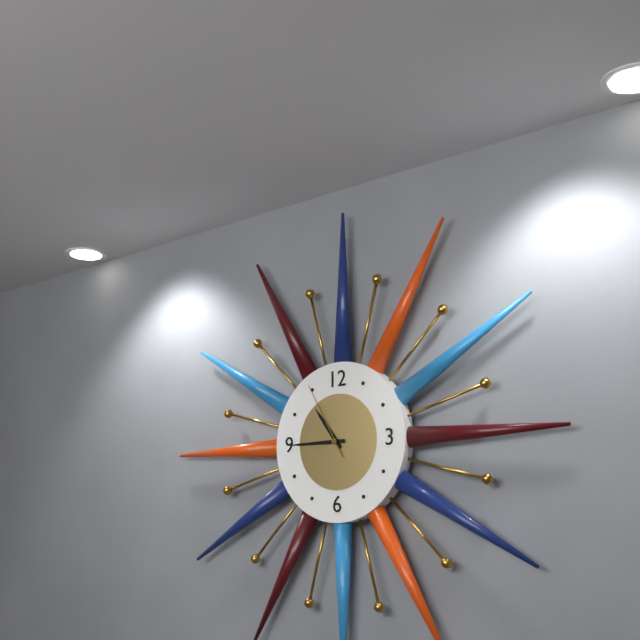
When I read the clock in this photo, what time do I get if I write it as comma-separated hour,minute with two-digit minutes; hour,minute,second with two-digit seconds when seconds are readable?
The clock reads 10,45,55
